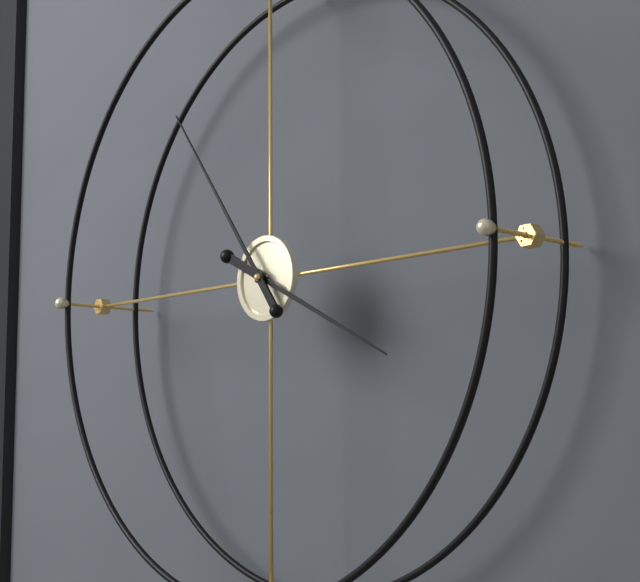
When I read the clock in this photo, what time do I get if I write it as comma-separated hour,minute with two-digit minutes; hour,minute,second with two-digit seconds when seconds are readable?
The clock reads 3,54
